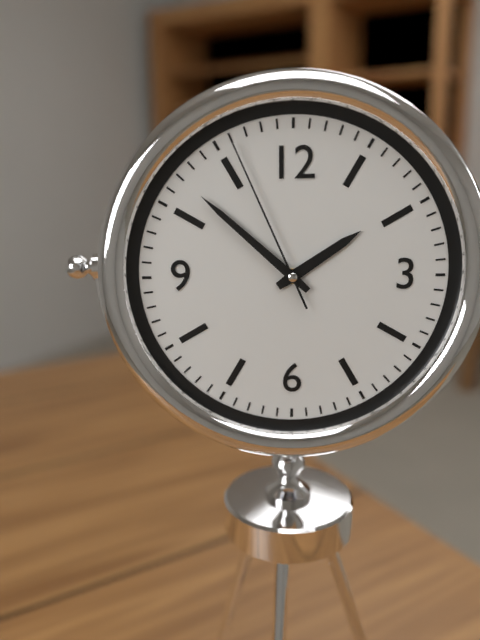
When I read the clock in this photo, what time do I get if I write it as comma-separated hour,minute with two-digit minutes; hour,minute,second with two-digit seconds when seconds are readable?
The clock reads 1,52,56
